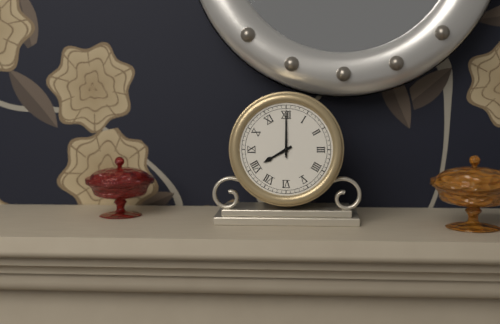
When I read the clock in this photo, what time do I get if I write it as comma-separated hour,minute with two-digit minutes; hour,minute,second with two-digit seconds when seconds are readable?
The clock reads 8,00
